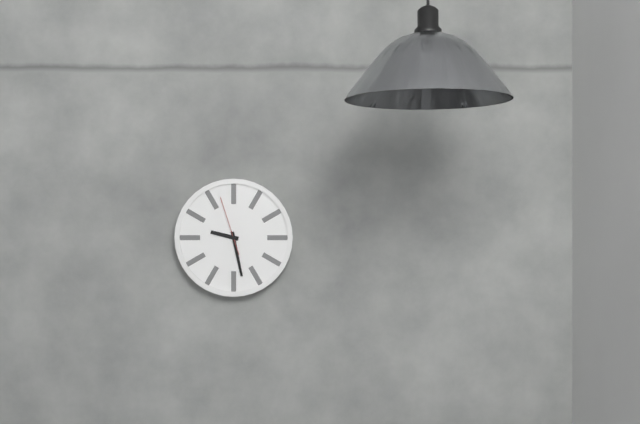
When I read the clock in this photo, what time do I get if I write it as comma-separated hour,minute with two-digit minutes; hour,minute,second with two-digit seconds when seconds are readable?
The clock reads 9,28,57
